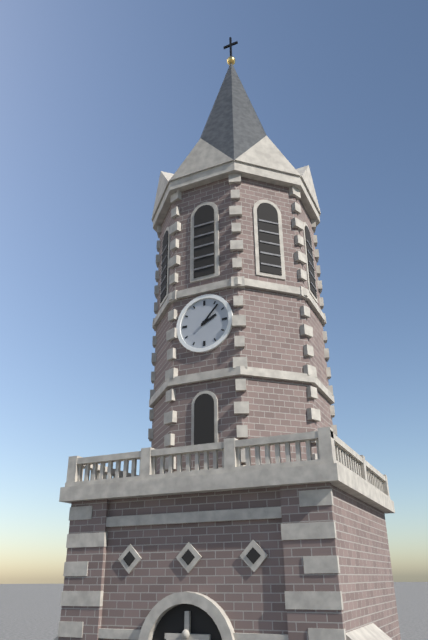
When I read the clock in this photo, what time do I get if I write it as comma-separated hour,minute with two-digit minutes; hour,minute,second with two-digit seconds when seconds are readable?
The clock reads 2,07
